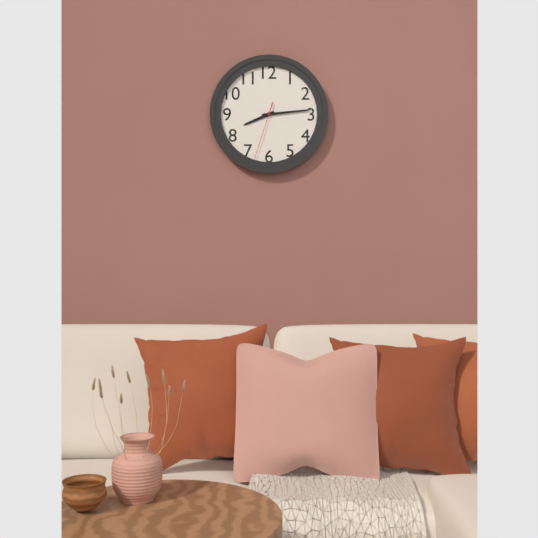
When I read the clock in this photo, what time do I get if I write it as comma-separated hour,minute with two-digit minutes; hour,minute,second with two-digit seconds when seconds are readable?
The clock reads 8,14,33
